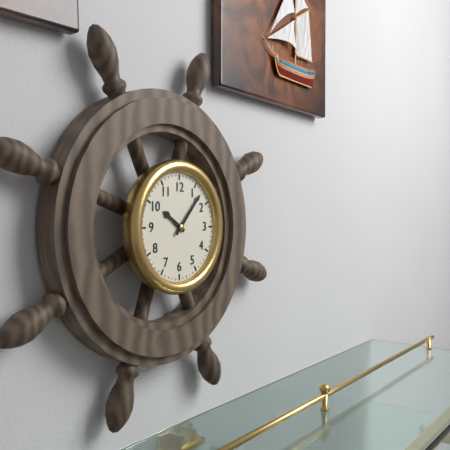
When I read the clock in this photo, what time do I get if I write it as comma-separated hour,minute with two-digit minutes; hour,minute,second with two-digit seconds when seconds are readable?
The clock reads 10,07
